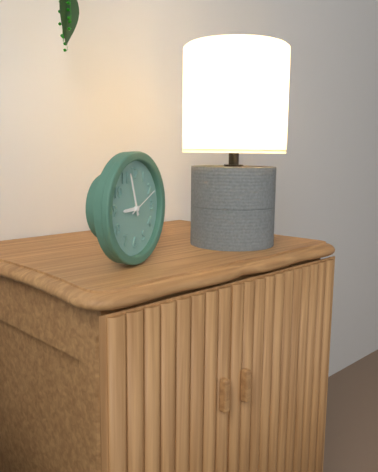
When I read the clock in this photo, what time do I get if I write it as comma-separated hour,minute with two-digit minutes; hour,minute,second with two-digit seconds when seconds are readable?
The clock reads 8,57
